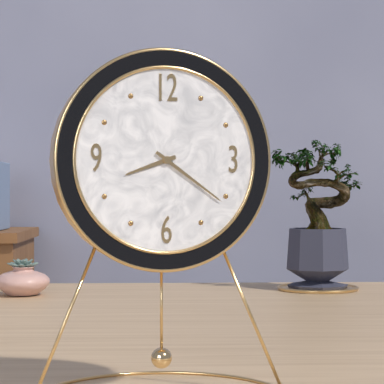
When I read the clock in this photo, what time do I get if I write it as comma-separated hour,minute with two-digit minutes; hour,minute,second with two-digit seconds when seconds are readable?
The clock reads 8,21
